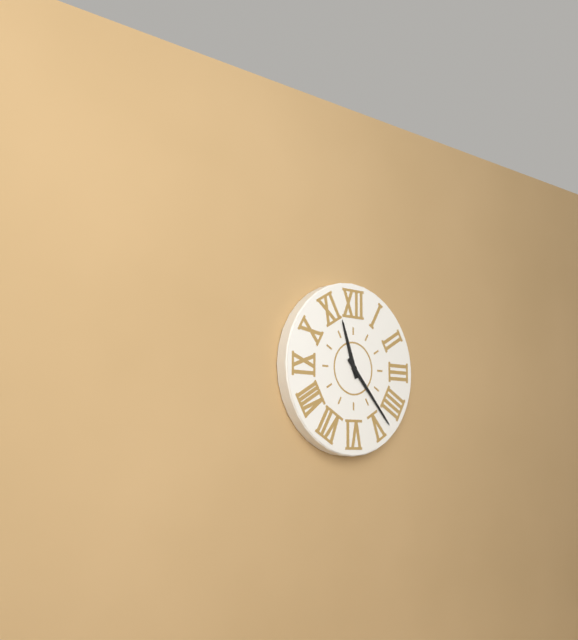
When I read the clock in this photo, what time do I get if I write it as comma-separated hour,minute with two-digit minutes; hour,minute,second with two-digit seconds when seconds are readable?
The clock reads 11,23
